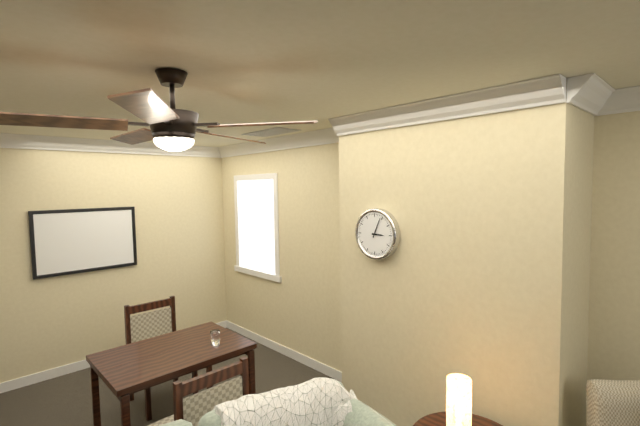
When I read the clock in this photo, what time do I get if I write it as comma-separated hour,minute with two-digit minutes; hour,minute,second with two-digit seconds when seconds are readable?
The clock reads 3,04
